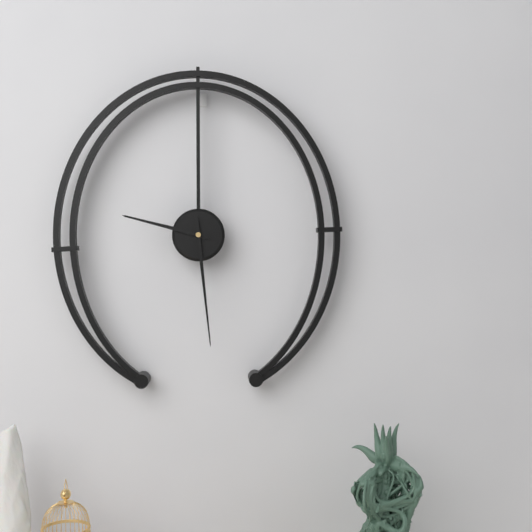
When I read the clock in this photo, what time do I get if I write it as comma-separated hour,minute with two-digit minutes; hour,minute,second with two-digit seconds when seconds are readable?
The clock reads 9,29
